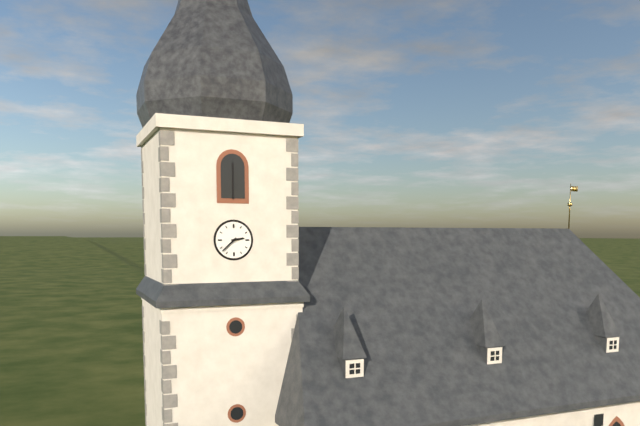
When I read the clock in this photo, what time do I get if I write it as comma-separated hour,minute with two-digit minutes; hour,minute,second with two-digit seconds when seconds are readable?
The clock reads 2,38
